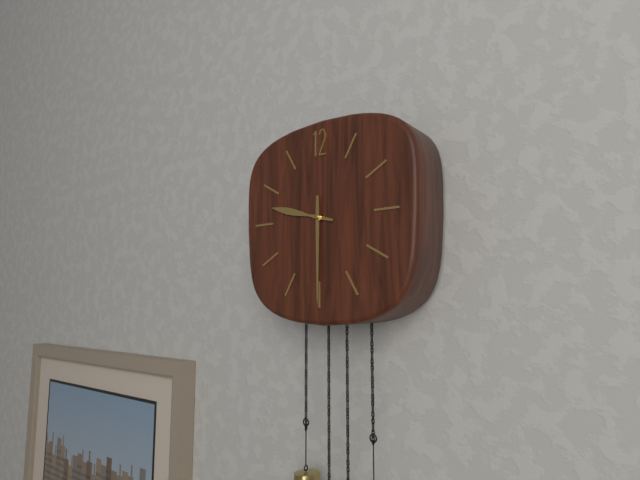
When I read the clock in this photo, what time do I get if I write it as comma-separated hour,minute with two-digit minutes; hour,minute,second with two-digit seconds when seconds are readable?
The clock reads 9,30
